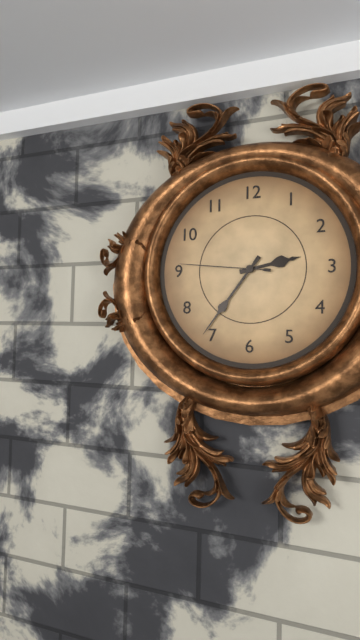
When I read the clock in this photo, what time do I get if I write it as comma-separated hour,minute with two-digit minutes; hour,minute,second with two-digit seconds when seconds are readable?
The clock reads 2,36,46
